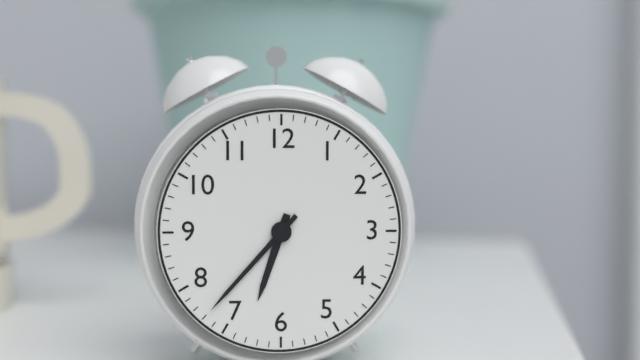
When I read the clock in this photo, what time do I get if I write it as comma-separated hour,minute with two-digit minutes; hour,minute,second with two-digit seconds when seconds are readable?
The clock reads 6,37
